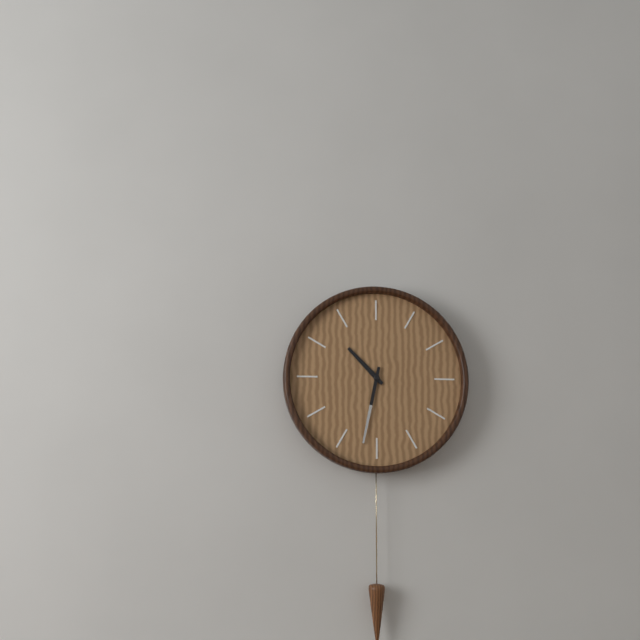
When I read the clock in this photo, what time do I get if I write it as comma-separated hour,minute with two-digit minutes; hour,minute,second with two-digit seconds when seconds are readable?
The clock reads 10,32
